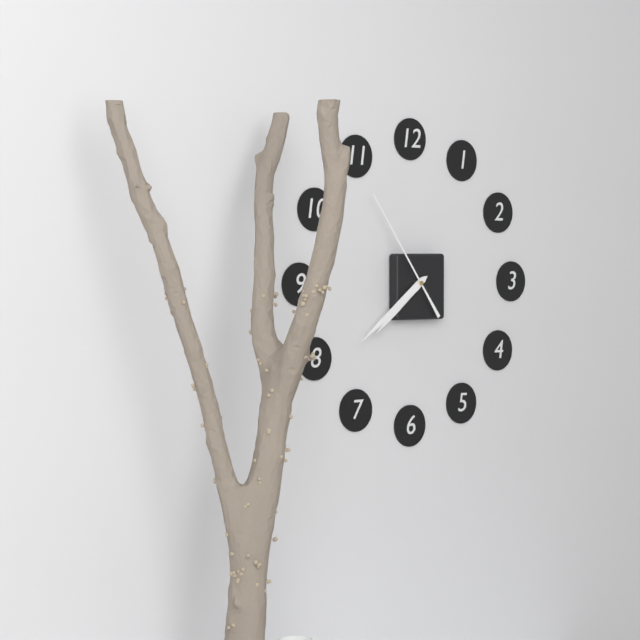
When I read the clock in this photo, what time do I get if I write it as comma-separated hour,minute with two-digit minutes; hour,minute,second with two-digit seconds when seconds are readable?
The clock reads 7,39,54
